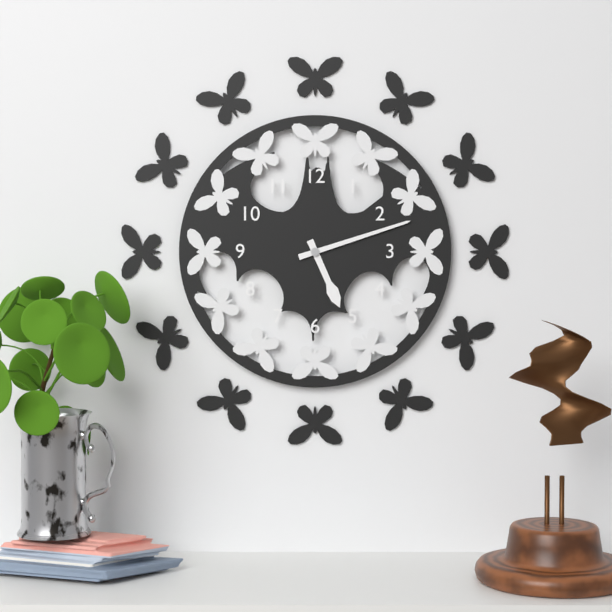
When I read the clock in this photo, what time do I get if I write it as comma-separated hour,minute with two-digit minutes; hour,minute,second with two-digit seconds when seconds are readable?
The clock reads 5,12
